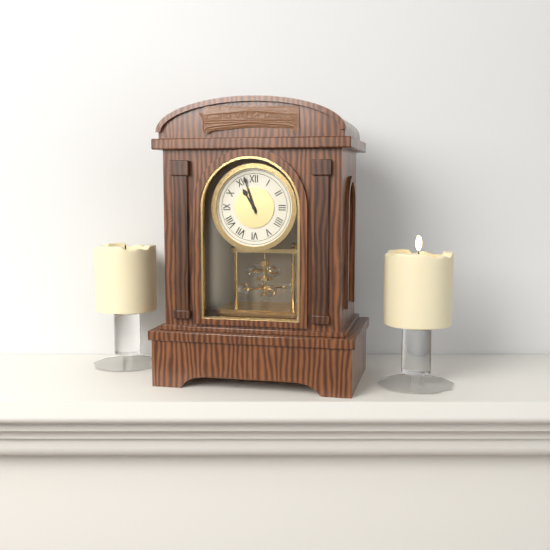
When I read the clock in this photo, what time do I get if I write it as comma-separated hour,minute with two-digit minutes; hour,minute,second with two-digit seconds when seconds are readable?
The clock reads 10,57
